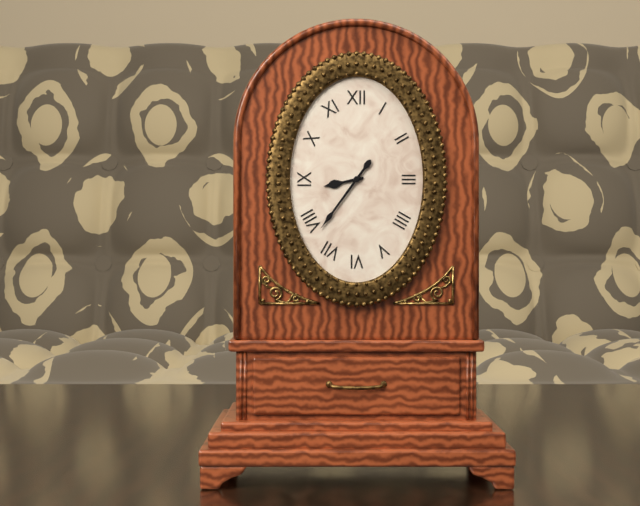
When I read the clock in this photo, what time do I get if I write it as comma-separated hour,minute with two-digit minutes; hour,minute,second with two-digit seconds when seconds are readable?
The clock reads 8,36
